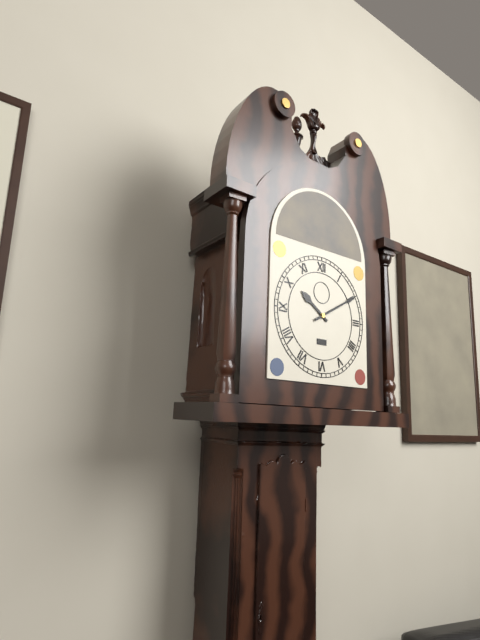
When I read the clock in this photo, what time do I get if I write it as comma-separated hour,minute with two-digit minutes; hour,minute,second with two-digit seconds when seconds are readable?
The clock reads 10,10
